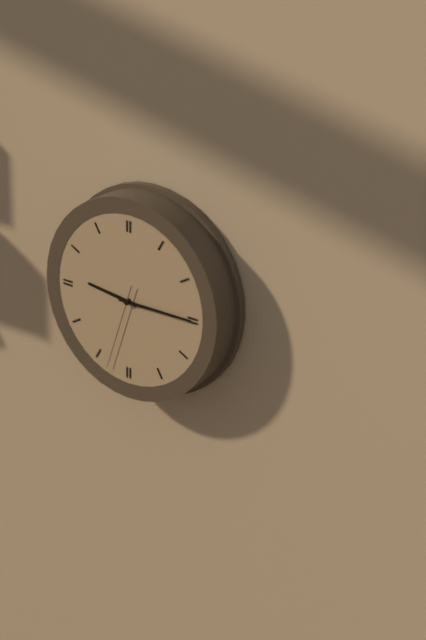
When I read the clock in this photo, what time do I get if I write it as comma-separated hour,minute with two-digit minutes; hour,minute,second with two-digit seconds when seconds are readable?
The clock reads 9,15,33
